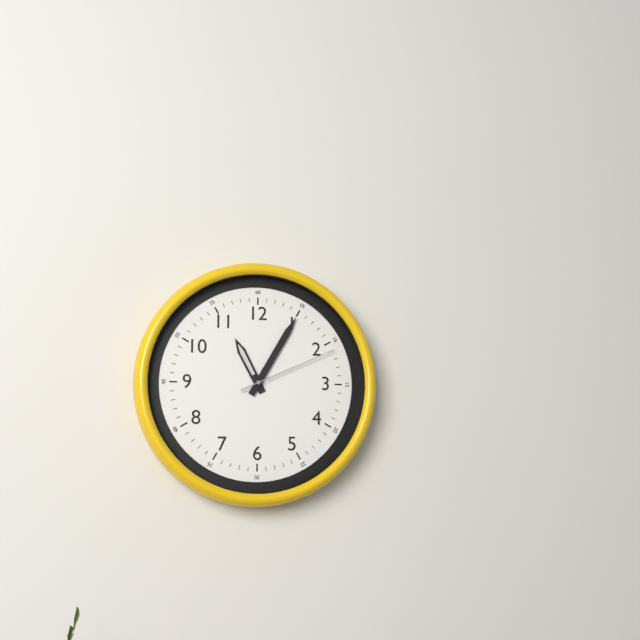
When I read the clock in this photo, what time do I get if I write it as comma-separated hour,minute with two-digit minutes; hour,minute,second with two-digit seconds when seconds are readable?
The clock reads 11,05,11
